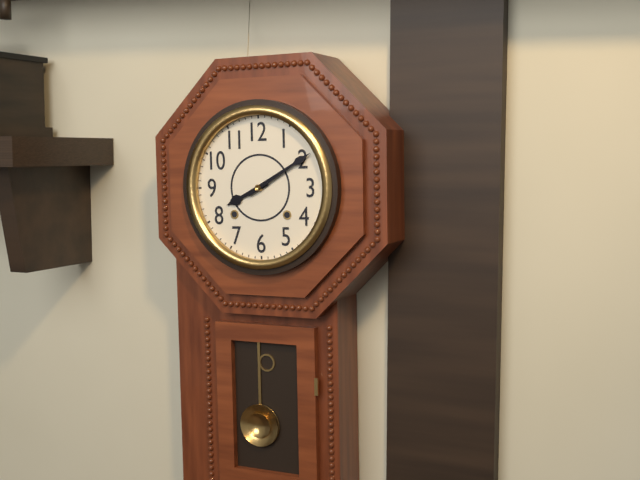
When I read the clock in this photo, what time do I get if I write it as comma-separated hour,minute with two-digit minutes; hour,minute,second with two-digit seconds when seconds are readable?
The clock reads 8,10
